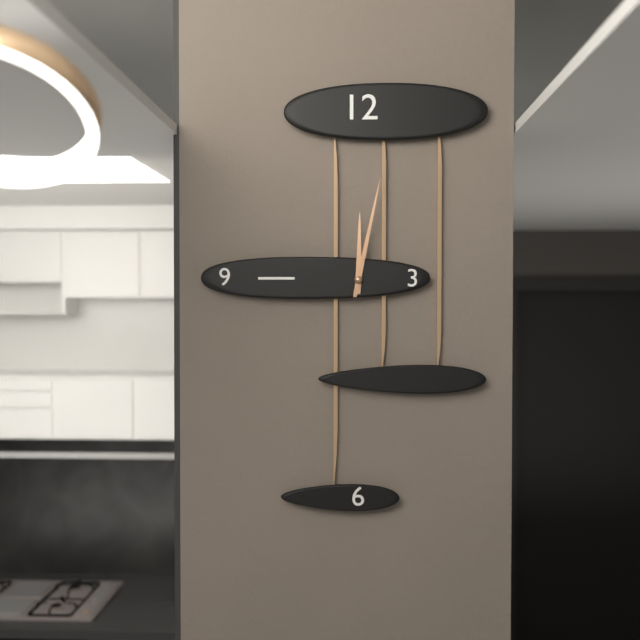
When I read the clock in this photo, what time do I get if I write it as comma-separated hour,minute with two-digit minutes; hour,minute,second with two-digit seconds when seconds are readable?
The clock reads 12,02
